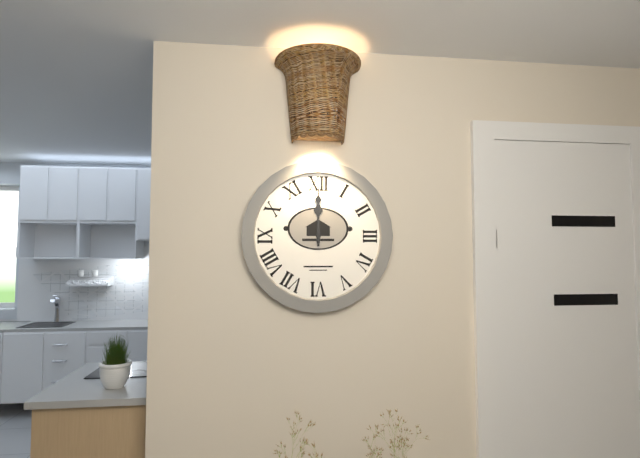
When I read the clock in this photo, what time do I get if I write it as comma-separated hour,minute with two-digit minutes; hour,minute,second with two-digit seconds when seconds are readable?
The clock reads 12,00
